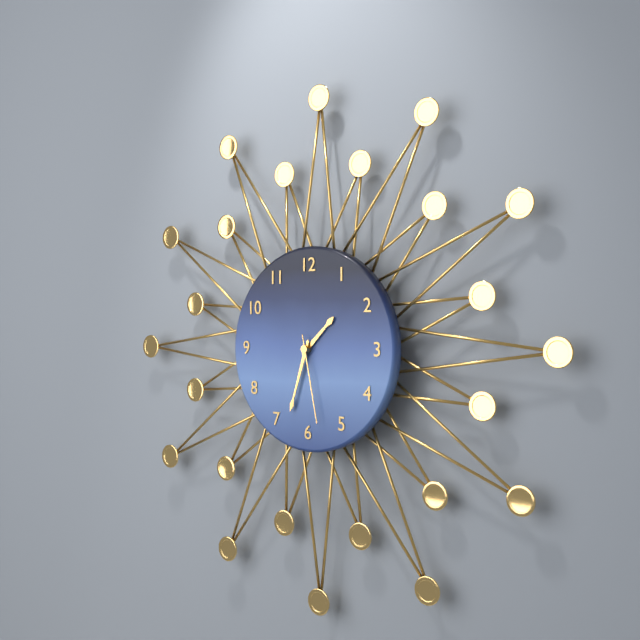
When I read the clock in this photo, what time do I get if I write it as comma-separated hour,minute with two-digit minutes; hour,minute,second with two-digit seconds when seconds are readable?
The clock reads 1,33,28
